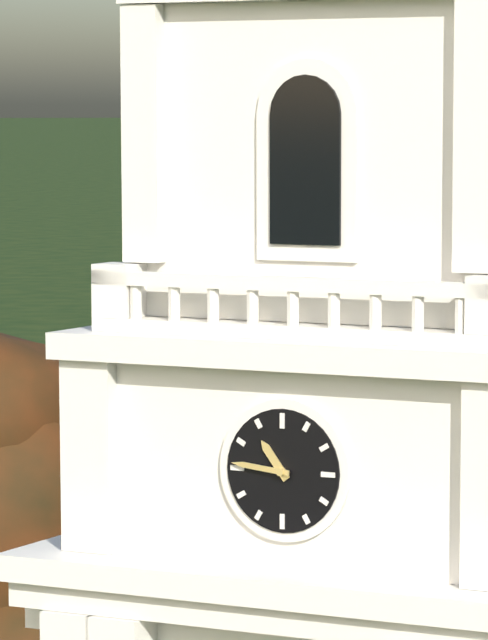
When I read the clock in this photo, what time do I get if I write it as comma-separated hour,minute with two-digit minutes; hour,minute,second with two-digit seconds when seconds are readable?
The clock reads 10,46
